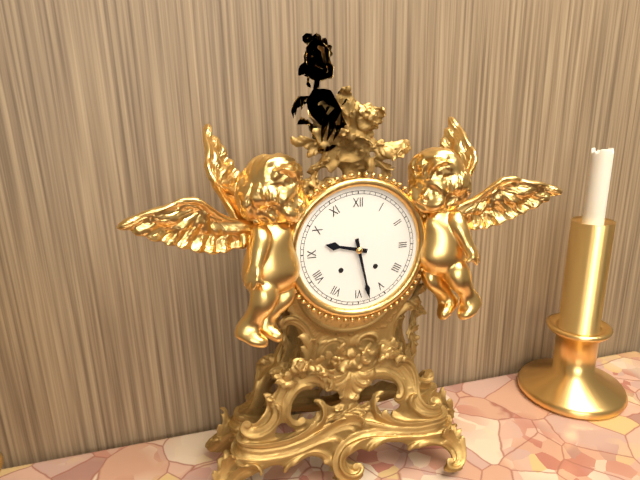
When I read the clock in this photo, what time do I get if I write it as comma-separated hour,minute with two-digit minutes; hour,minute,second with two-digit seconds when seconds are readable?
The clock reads 9,28
